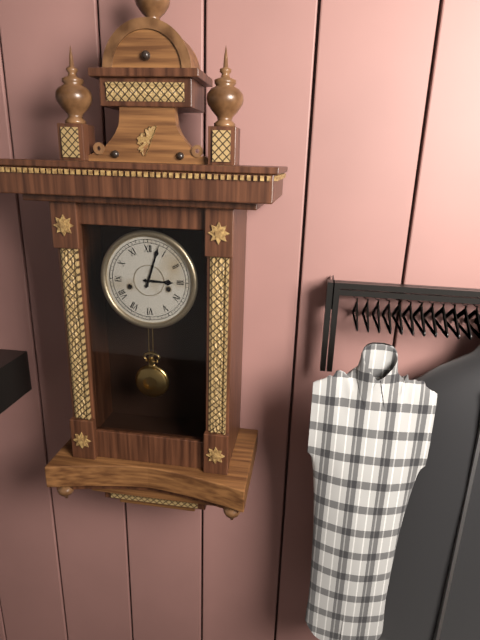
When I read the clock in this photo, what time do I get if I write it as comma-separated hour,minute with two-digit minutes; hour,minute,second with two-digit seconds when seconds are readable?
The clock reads 3,03
